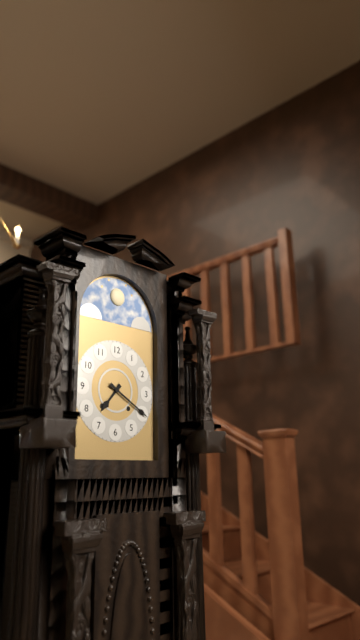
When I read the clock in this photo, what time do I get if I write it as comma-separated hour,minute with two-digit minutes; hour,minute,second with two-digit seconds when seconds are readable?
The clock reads 7,20
